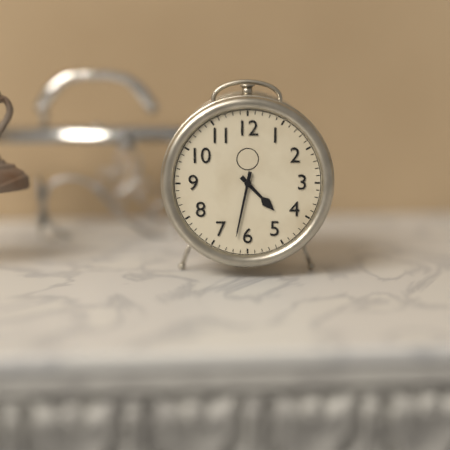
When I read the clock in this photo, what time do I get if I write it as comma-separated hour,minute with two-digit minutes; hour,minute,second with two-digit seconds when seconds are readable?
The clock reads 4,32
